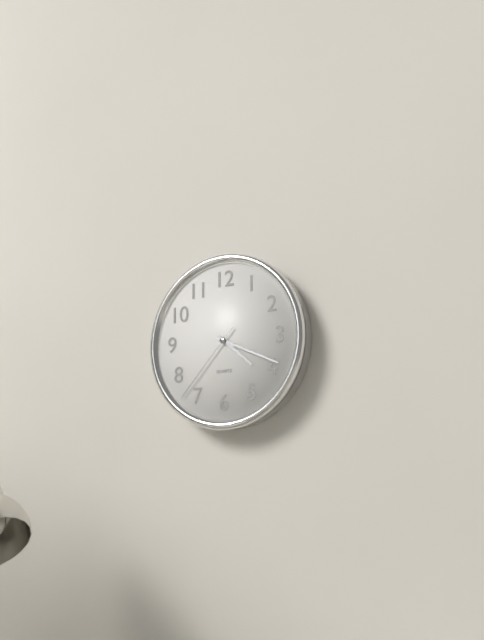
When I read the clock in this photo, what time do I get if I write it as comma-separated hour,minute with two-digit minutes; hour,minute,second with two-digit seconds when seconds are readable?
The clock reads 4,19,37
